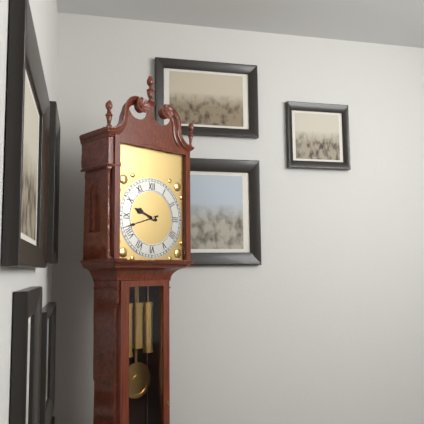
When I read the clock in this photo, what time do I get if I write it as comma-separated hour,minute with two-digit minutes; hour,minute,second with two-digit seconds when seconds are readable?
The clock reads 9,42
